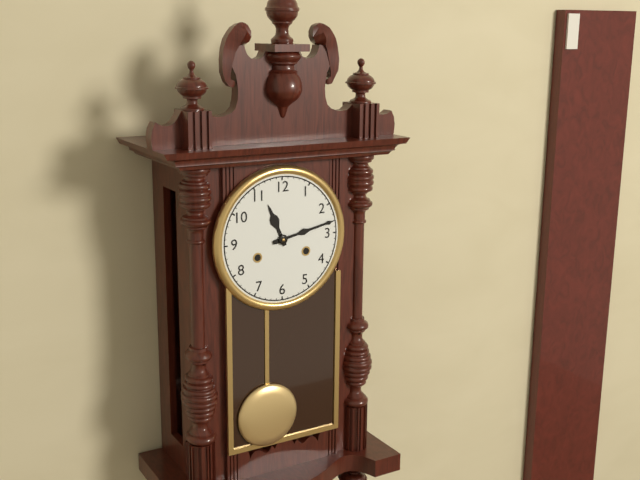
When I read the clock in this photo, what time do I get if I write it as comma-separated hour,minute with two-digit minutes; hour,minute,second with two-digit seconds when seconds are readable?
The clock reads 11,13
